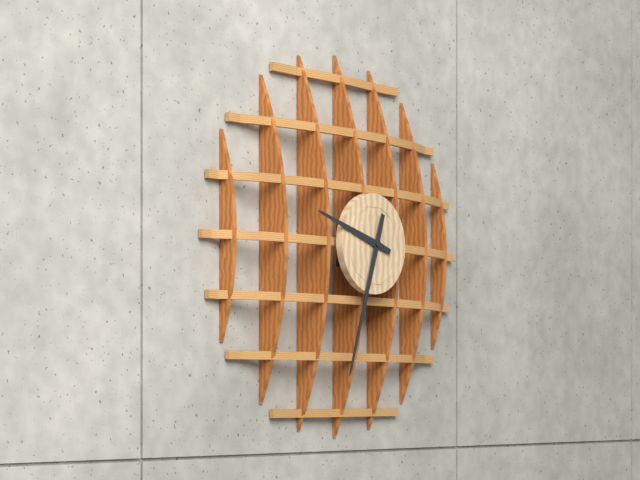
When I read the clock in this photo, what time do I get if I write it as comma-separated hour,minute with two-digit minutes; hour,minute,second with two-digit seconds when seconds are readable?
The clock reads 9,33
